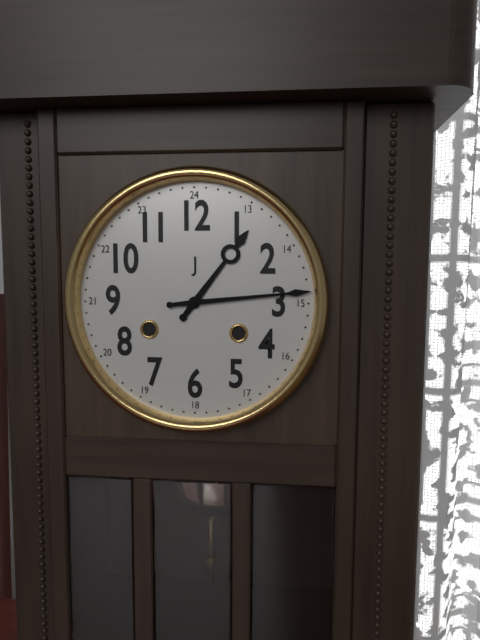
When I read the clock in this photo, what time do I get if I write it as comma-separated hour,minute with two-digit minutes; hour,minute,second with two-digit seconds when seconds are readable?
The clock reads 1,14
